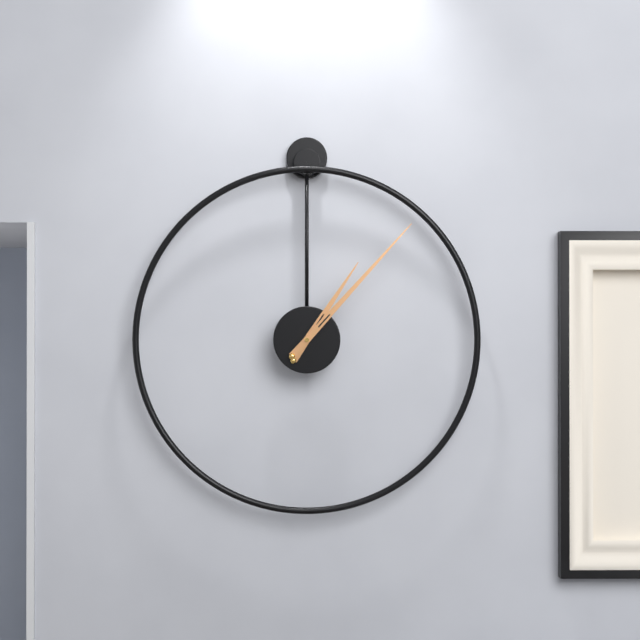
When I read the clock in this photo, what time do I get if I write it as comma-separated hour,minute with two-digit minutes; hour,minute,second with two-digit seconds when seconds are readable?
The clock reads 1,07
